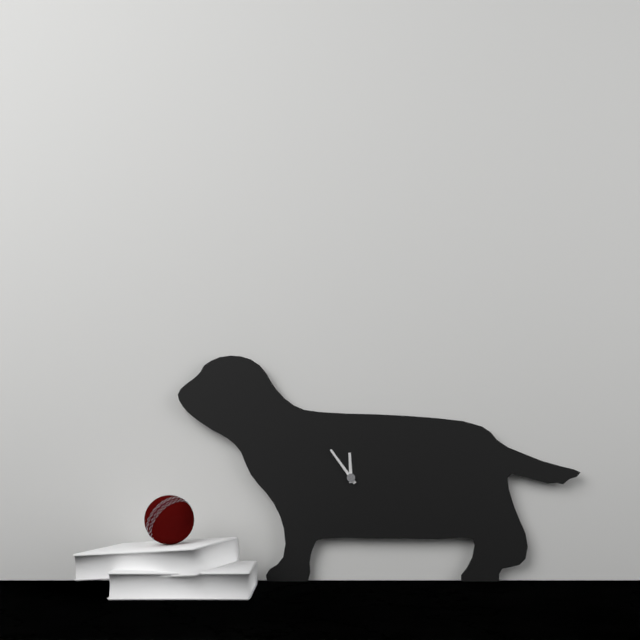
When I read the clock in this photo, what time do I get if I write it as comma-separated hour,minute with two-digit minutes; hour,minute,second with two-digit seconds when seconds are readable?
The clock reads 11,54
